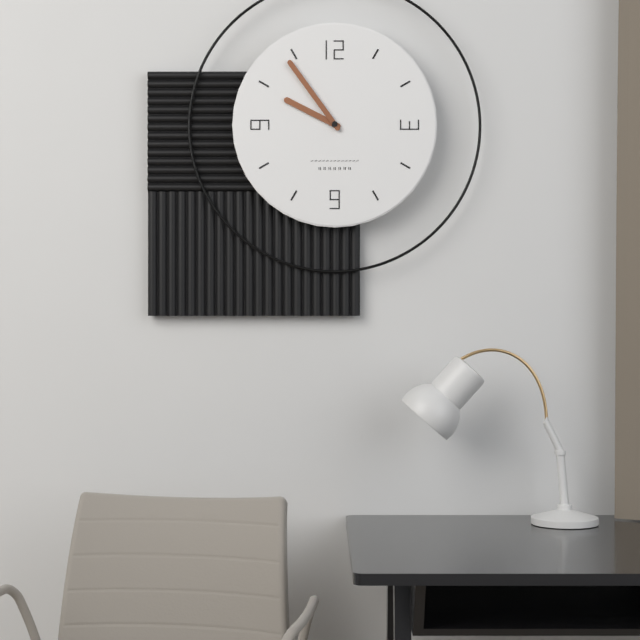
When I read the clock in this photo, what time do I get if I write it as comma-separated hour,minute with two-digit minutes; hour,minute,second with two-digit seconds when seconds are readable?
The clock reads 9,54
